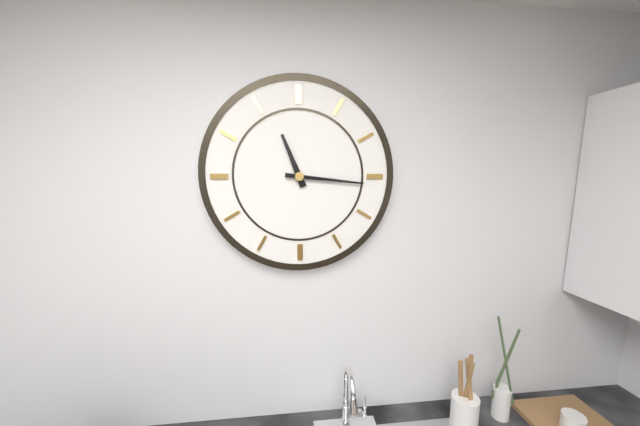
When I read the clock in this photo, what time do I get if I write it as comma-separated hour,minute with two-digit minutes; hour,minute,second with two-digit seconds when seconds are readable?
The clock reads 11,16
